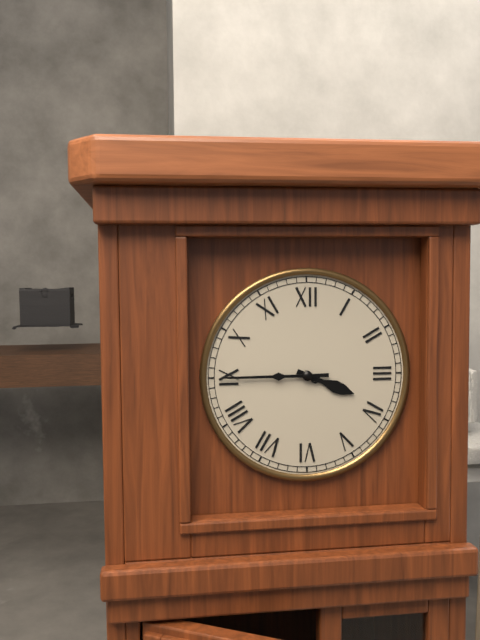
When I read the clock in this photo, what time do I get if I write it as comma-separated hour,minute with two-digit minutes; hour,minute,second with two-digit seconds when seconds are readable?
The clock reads 3,45
